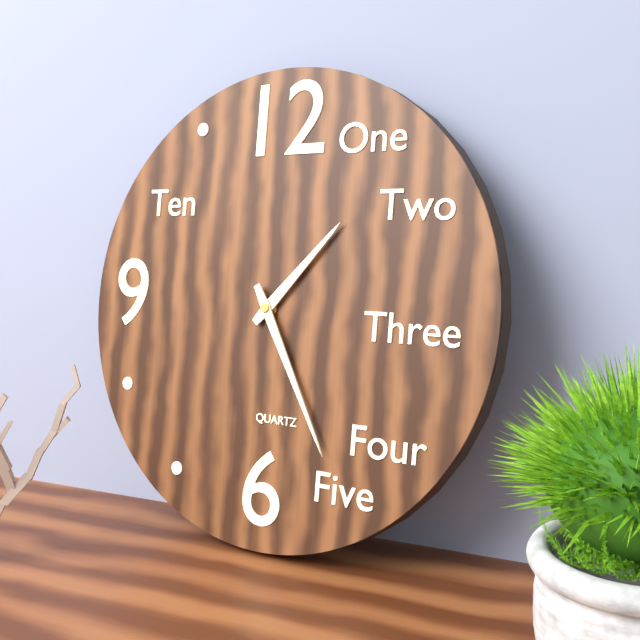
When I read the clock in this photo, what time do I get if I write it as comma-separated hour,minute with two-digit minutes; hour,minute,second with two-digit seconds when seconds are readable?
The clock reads 1,25
